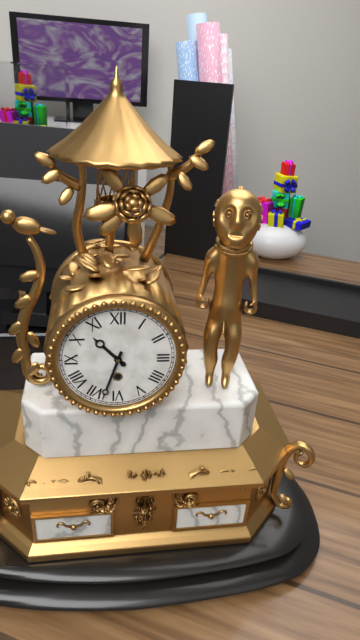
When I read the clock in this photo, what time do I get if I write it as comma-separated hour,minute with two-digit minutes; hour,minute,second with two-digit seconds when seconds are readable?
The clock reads 10,33
